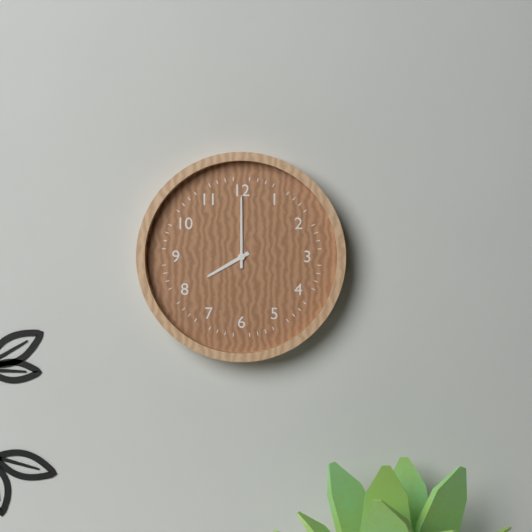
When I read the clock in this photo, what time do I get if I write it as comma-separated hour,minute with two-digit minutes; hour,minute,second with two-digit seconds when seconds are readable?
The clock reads 8,00
